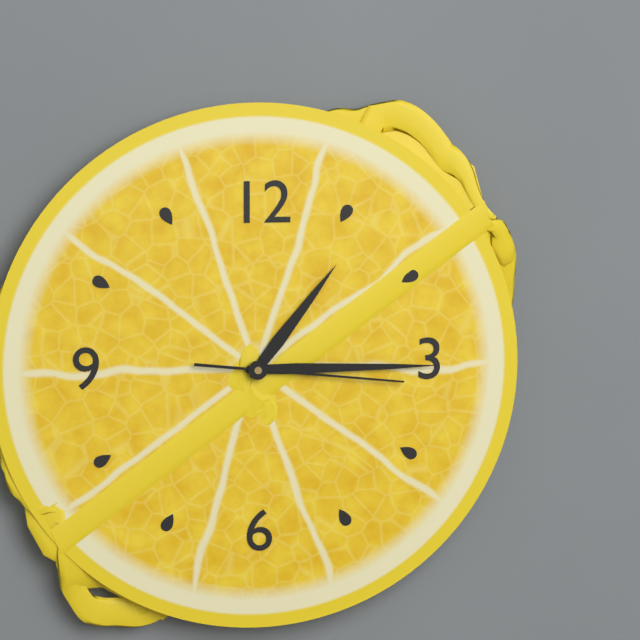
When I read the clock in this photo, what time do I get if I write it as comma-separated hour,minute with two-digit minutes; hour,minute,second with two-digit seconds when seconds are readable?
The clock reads 1,15,16
